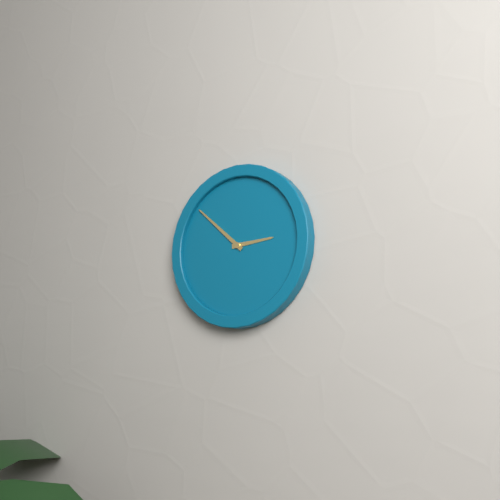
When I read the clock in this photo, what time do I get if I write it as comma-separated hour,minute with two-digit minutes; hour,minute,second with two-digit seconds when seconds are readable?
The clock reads 2,52
